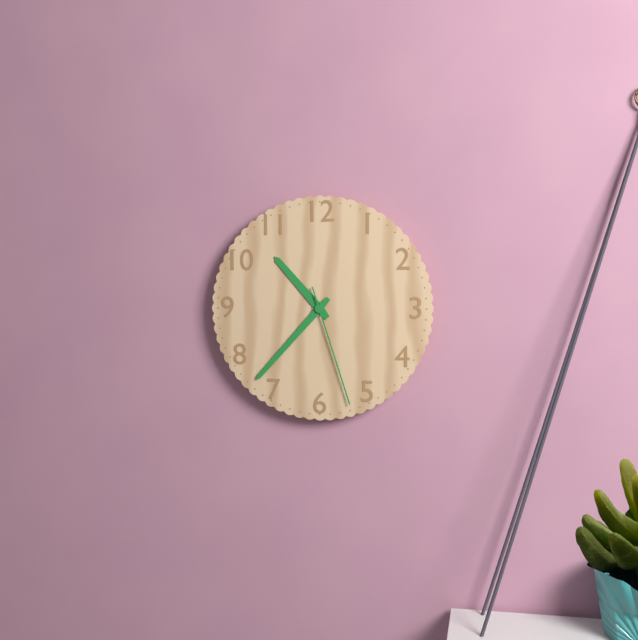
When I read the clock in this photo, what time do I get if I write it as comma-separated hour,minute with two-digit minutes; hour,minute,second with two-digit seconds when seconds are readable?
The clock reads 10,37,27
